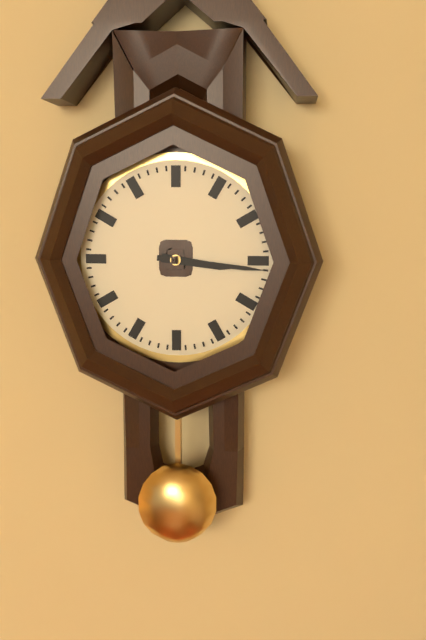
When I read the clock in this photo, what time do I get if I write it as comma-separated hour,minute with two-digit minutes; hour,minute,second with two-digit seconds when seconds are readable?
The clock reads 3,16
